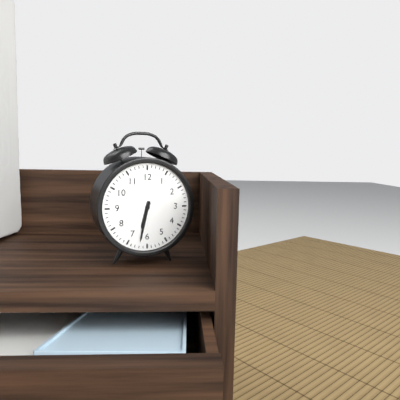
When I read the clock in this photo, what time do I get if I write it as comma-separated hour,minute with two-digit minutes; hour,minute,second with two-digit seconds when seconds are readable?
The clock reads 6,32
